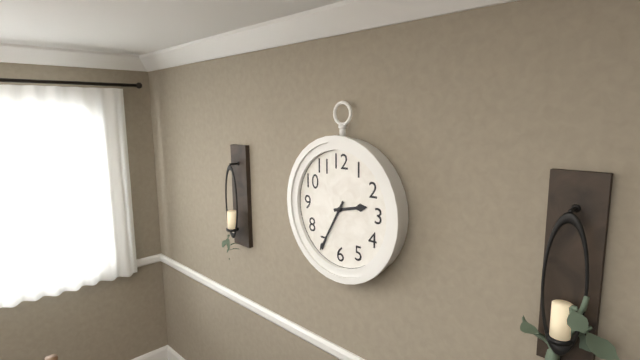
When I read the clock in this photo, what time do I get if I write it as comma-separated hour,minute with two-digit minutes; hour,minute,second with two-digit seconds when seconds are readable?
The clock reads 2,35
